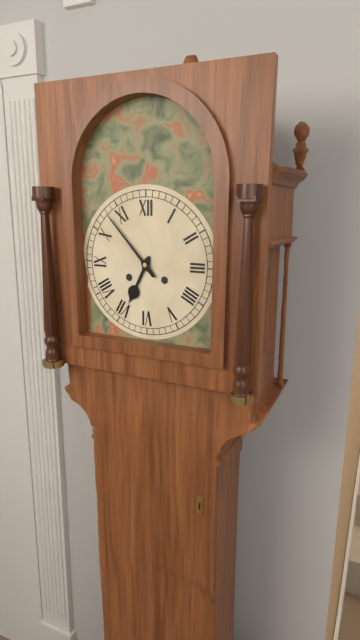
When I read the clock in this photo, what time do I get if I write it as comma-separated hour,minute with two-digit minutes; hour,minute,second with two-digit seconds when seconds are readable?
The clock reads 6,53
